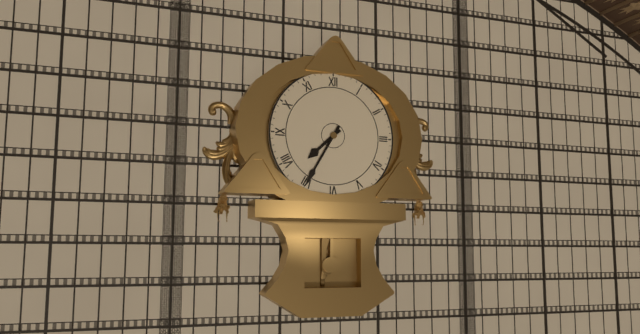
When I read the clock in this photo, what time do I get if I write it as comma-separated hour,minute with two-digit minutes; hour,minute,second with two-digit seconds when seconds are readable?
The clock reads 7,35
